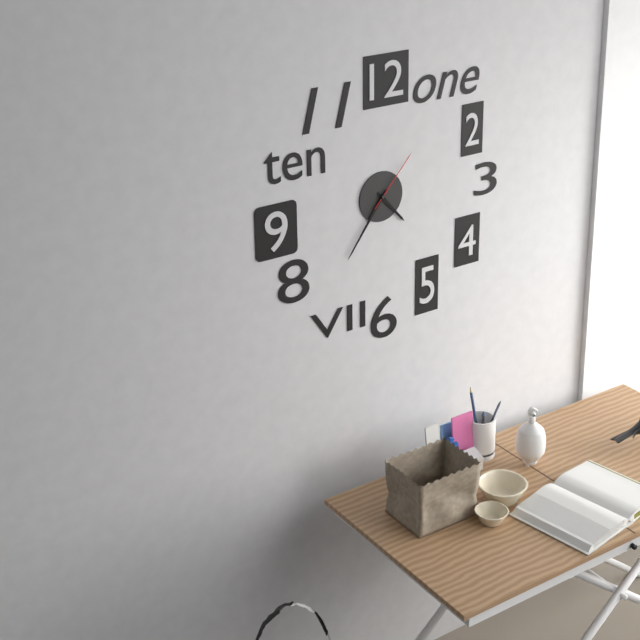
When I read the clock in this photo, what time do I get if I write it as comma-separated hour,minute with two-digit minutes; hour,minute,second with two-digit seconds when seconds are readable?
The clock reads 4,36,07
